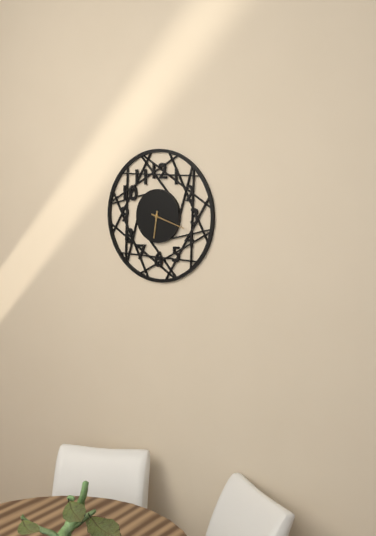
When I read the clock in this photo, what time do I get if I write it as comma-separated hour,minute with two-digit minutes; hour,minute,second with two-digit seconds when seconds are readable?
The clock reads 6,18
